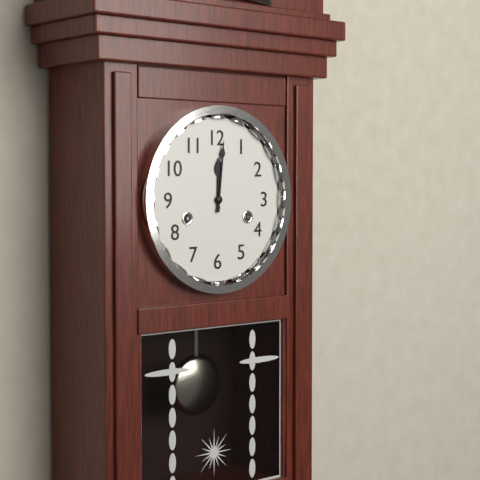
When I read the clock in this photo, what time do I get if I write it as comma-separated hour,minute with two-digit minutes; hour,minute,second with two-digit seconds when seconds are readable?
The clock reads 12,01
